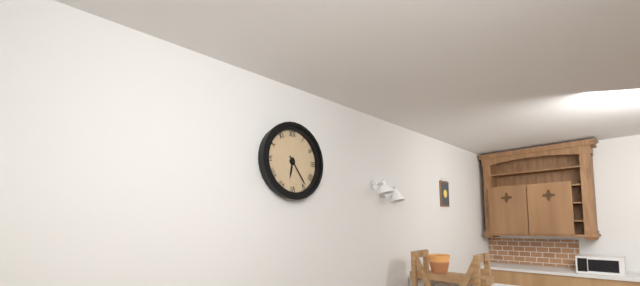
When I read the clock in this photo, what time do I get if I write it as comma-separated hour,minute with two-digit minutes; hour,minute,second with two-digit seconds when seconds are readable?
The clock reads 6,24
